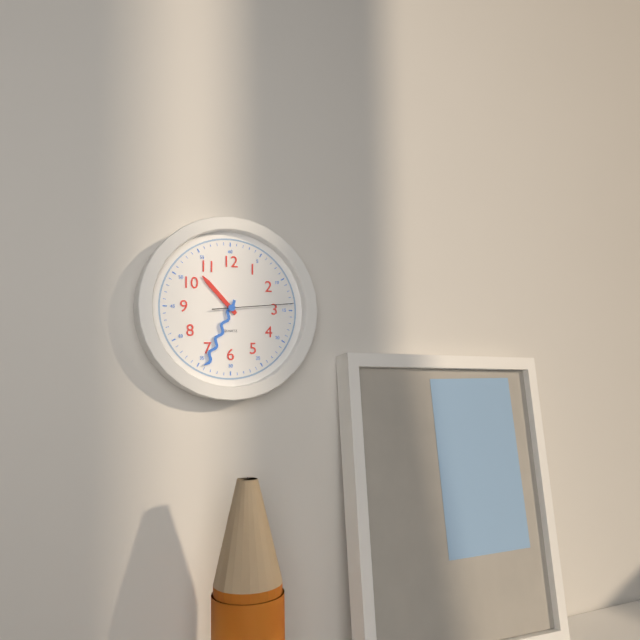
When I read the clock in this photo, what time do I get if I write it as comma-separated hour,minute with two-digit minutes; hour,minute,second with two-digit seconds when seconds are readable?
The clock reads 10,34,14
